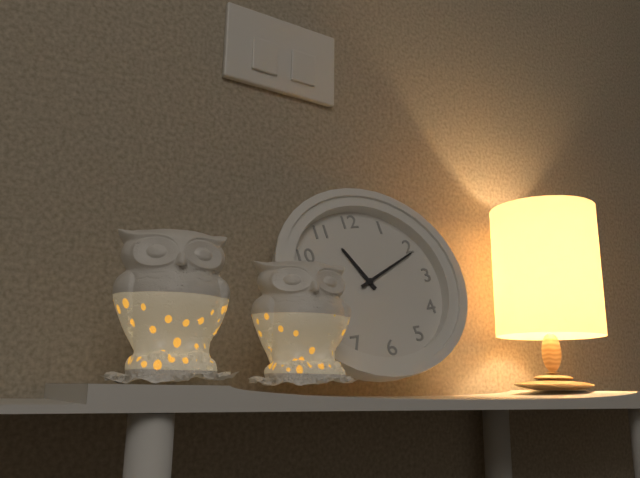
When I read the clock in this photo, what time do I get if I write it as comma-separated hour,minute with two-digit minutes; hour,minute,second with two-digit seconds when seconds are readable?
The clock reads 11,11
